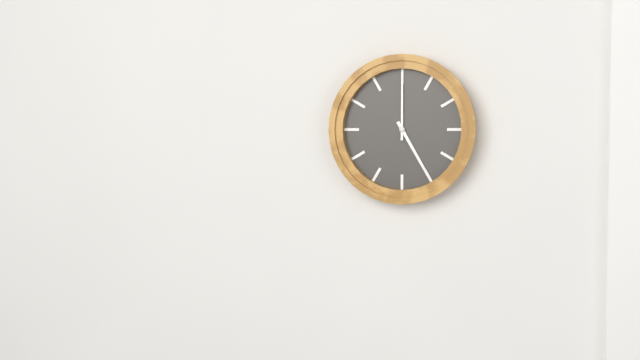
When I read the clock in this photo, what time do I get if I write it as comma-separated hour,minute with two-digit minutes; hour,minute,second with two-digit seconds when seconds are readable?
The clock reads 5,00
